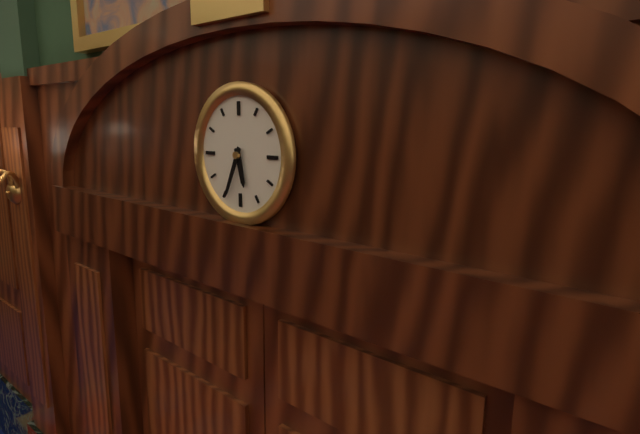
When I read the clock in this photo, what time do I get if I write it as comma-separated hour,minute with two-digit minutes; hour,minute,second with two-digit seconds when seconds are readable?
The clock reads 5,34
